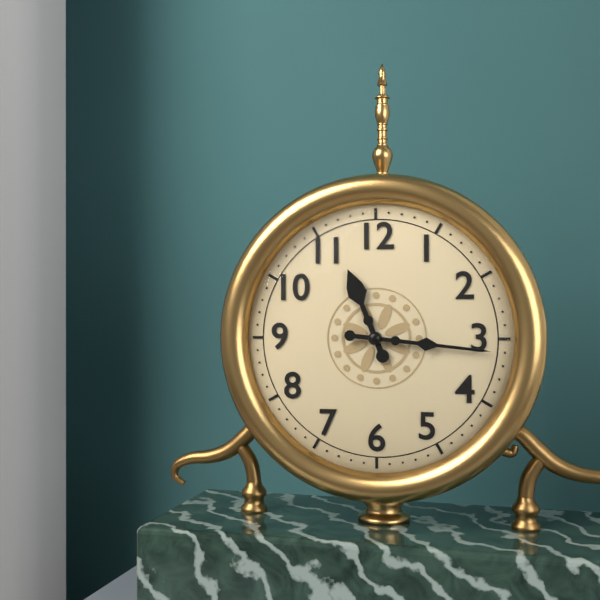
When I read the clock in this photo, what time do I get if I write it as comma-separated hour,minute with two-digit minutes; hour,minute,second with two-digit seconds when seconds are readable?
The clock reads 11,16
